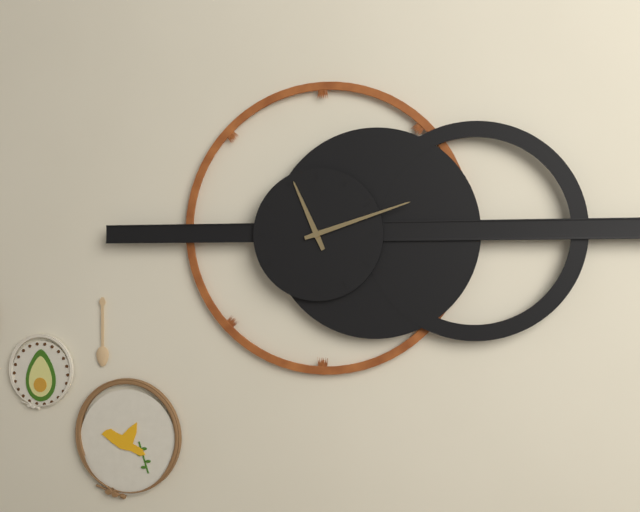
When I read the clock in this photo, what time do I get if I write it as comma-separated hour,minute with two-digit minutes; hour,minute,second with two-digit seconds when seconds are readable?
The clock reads 11,12
